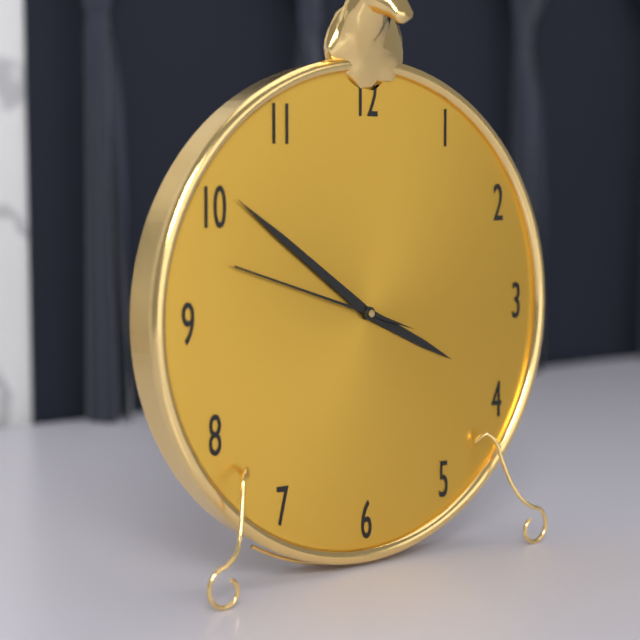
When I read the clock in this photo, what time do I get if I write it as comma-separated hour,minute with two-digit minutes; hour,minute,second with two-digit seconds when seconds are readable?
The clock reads 3,51,48
